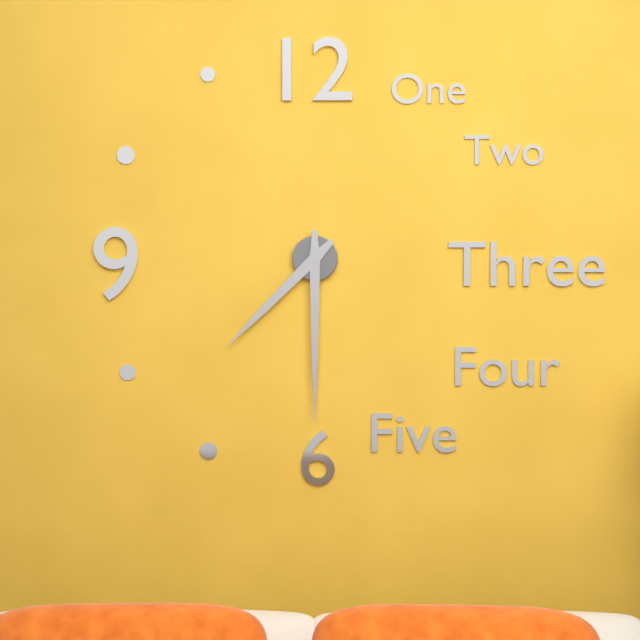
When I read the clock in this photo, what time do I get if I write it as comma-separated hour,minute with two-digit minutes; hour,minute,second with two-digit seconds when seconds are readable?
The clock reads 7,30
